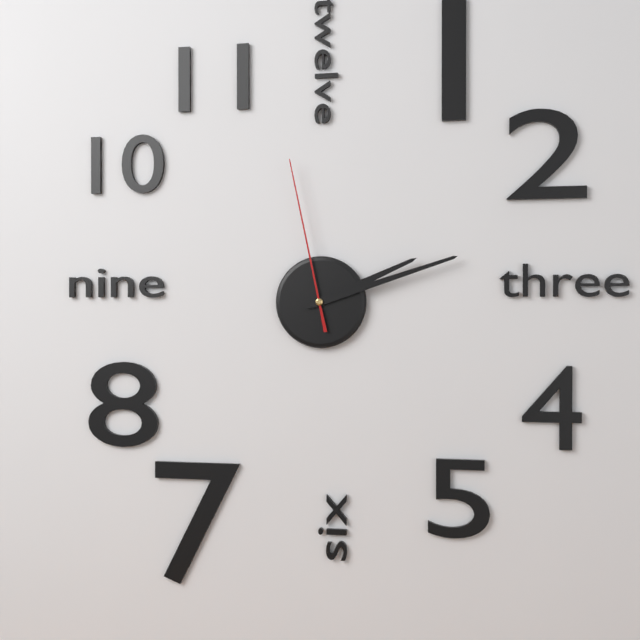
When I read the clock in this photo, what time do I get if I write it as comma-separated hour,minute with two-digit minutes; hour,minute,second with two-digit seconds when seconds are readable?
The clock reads 2,12,58
